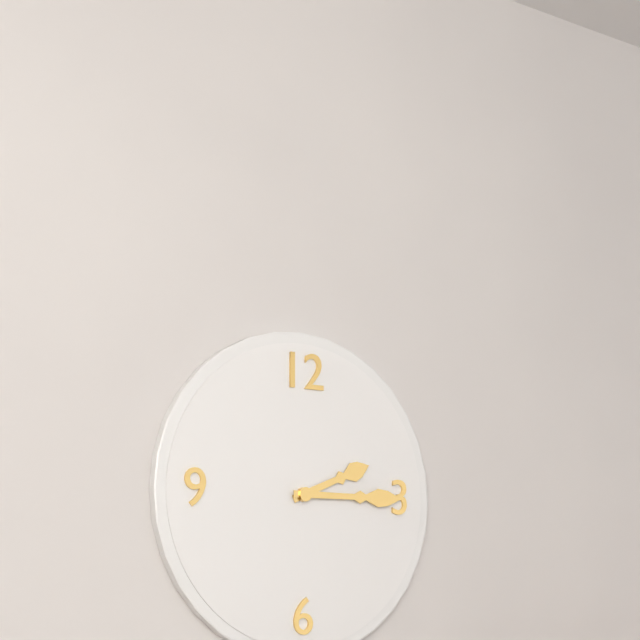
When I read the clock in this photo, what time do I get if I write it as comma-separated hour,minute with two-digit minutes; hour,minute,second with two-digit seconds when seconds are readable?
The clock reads 2,15
